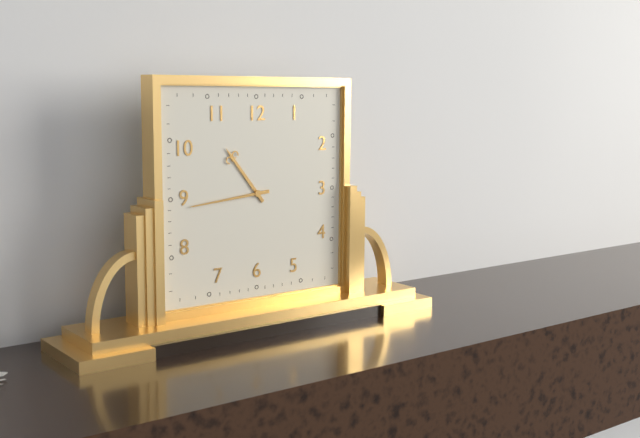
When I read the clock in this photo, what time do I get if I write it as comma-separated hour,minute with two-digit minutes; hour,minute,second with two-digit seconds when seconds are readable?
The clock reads 10,44
